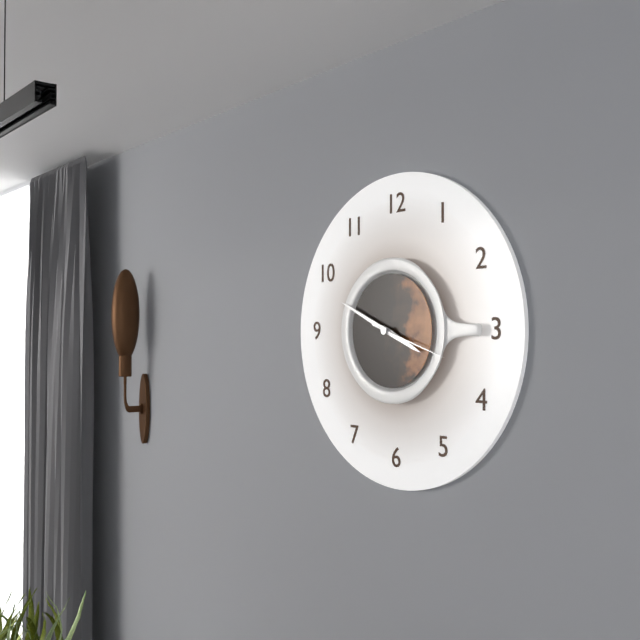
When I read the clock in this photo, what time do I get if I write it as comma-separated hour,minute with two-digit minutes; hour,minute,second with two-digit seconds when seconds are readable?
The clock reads 3,49,18
